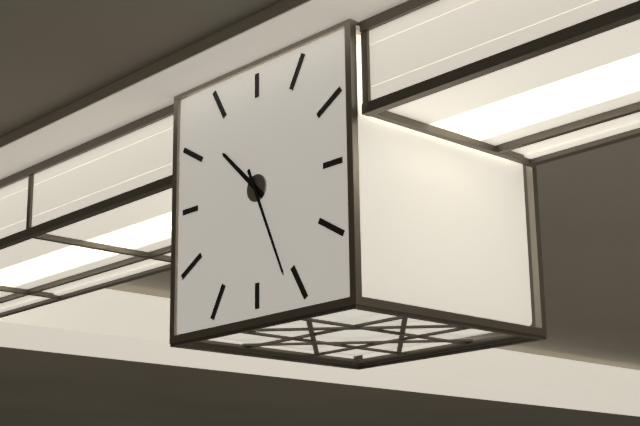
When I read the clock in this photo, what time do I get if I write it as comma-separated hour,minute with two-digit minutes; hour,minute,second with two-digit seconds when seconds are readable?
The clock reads 10,26
